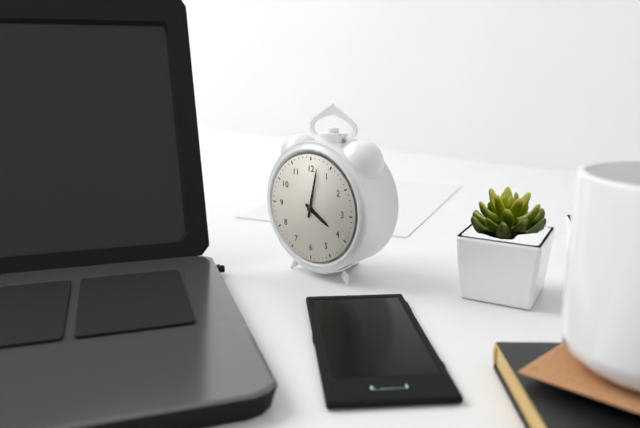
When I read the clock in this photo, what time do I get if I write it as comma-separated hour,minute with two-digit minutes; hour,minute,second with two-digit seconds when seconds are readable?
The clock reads 4,02
